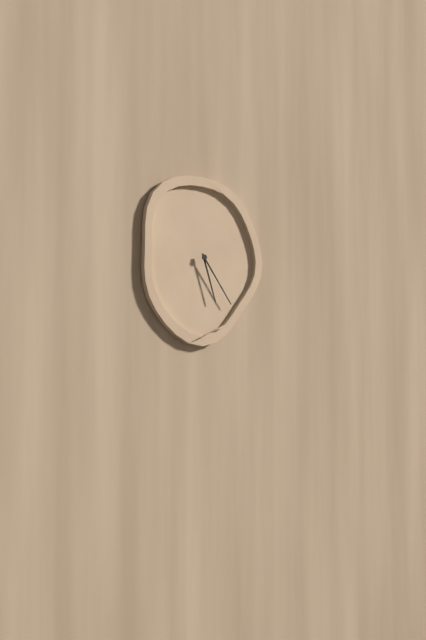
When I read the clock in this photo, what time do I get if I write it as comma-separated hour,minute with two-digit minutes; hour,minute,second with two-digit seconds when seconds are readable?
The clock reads 5,24
